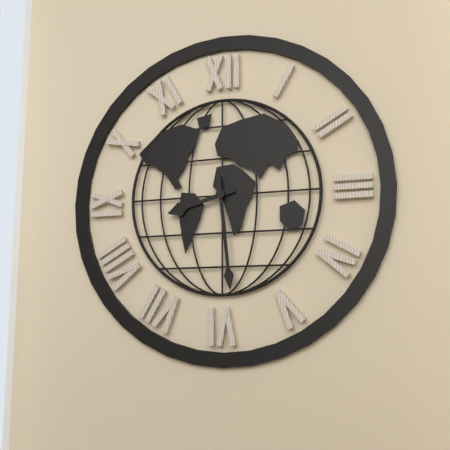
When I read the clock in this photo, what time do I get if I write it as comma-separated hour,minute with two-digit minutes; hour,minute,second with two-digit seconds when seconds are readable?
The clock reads 8,29
